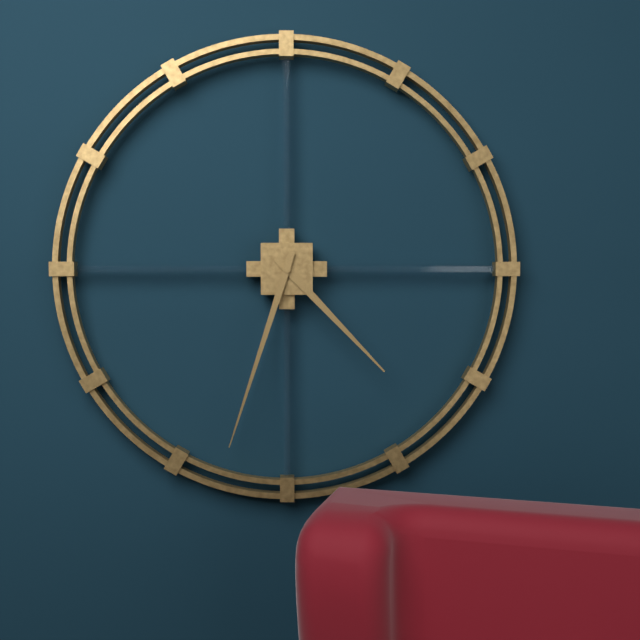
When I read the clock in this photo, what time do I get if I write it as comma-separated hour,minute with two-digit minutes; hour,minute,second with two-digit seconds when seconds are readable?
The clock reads 4,33
